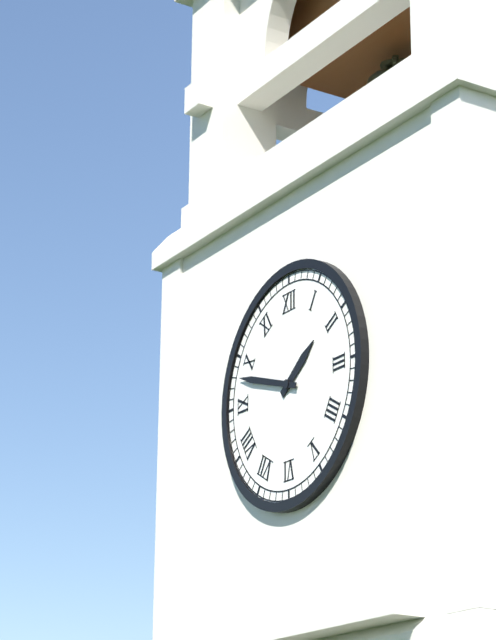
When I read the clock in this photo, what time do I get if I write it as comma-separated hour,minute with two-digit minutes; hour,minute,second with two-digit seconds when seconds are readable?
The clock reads 1,48
